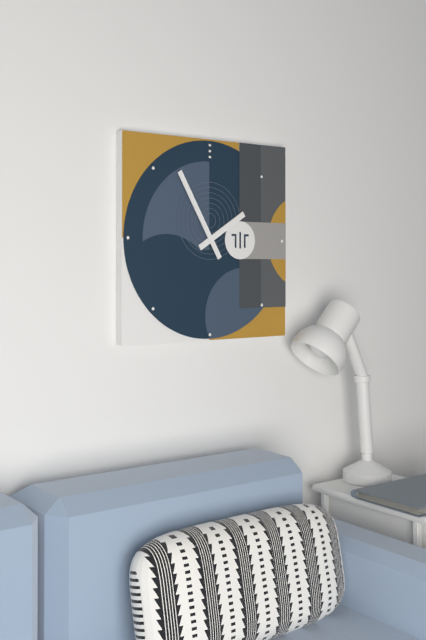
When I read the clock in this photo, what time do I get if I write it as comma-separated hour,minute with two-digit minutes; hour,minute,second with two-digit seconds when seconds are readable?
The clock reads 1,55
